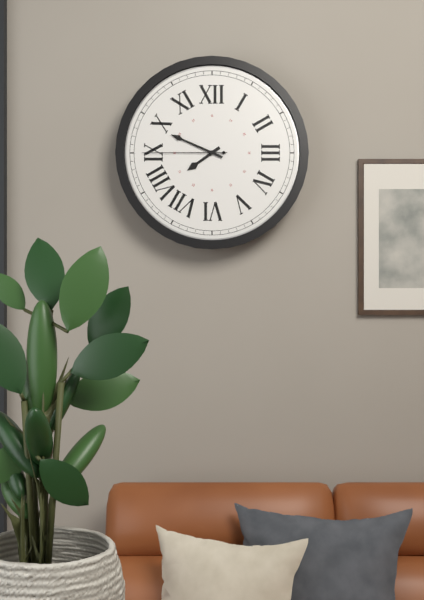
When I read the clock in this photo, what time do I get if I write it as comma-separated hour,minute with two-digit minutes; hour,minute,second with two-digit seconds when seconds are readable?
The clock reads 7,49,45
